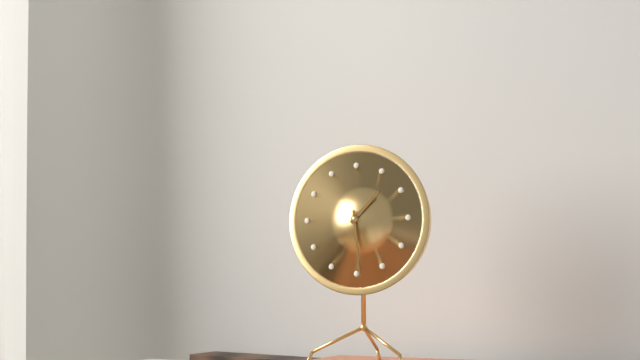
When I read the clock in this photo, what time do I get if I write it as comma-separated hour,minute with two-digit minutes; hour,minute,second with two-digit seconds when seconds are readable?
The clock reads 1,29
